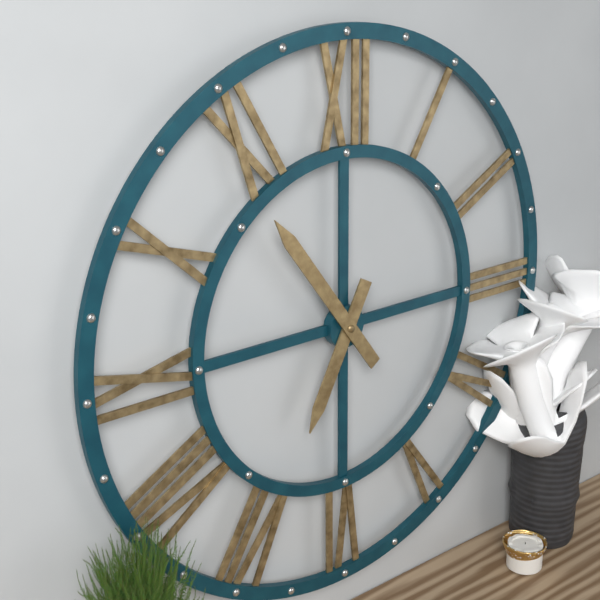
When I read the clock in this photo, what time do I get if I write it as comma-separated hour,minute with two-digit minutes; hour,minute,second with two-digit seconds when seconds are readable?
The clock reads 6,54
